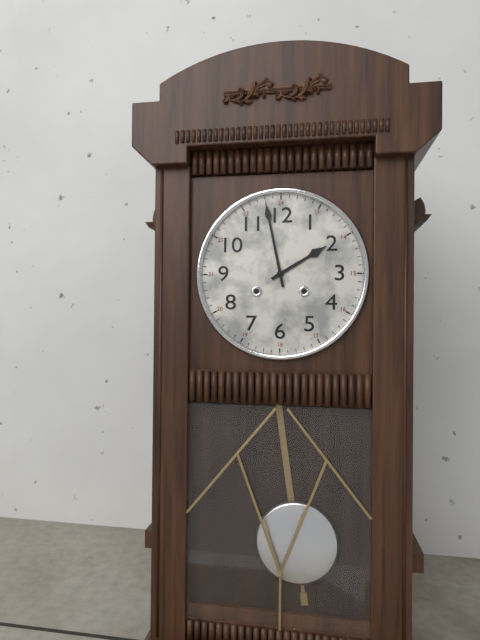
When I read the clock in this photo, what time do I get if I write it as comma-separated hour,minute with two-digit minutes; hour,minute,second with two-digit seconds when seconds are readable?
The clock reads 1,58
